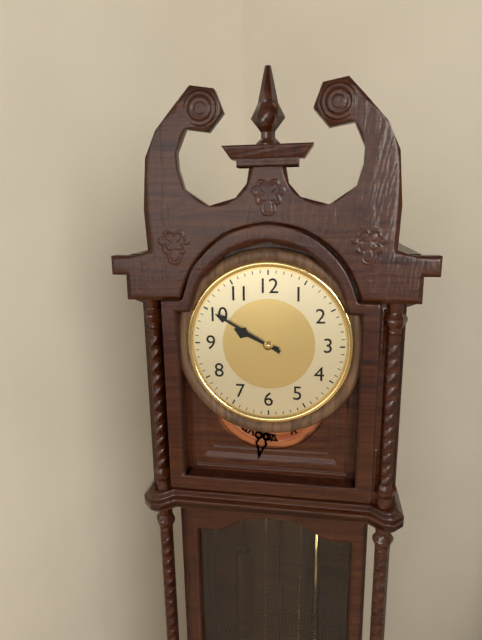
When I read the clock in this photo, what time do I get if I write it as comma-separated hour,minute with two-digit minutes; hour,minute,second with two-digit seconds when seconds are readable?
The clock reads 9,50
